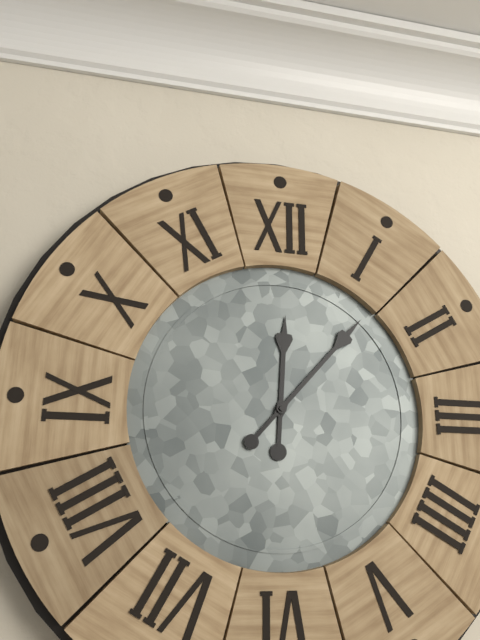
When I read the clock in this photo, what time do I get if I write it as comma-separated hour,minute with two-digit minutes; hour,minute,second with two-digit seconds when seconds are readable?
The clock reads 12,07
